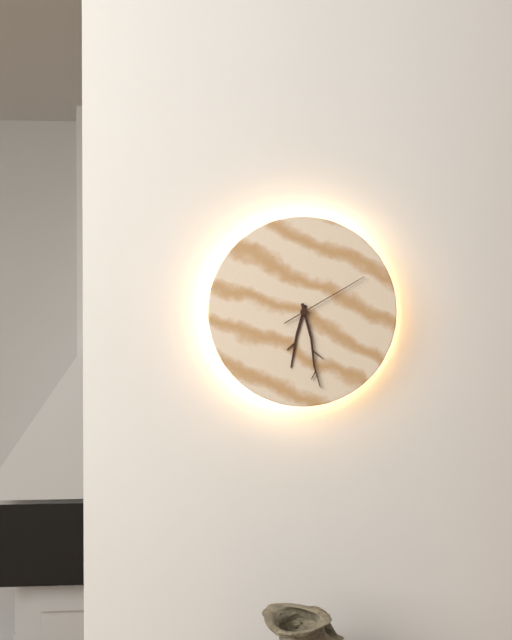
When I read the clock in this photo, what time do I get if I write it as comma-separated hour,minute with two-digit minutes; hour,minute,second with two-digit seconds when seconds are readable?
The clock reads 6,28,10
